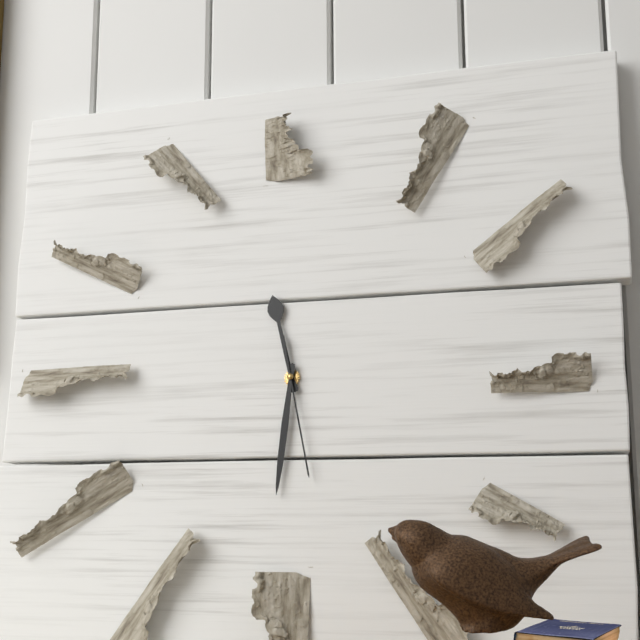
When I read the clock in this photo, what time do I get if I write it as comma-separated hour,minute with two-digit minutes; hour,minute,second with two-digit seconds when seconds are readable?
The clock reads 11,31,28
